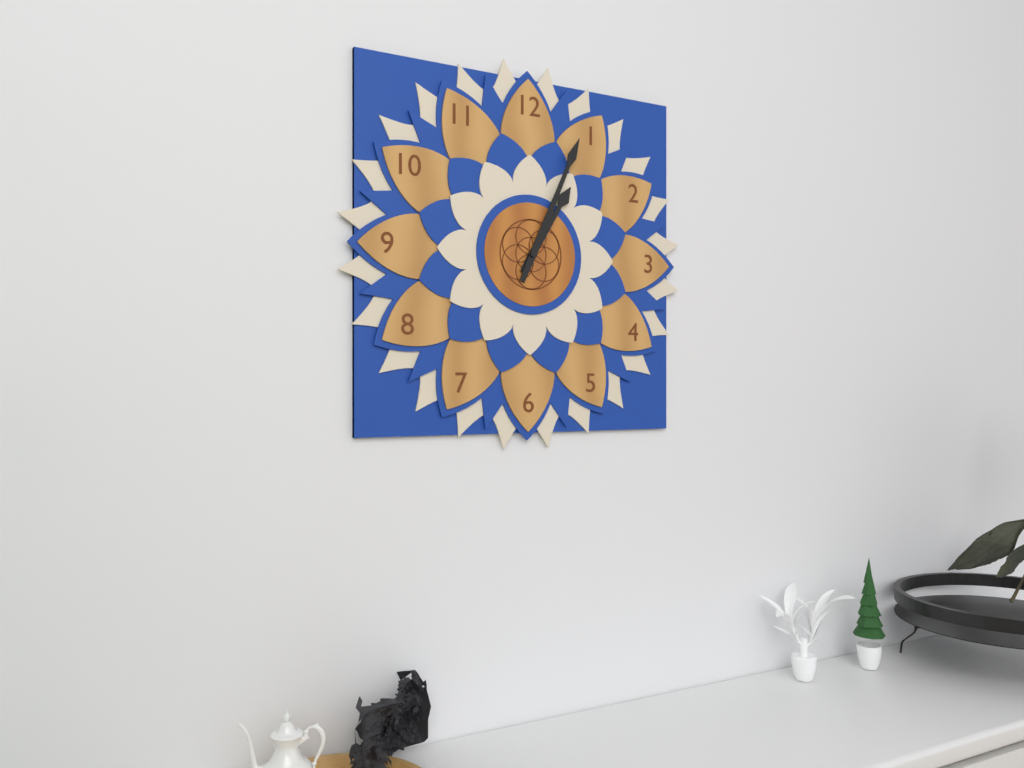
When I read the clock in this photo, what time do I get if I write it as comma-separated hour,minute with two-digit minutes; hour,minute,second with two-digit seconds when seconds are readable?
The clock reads 1,04
